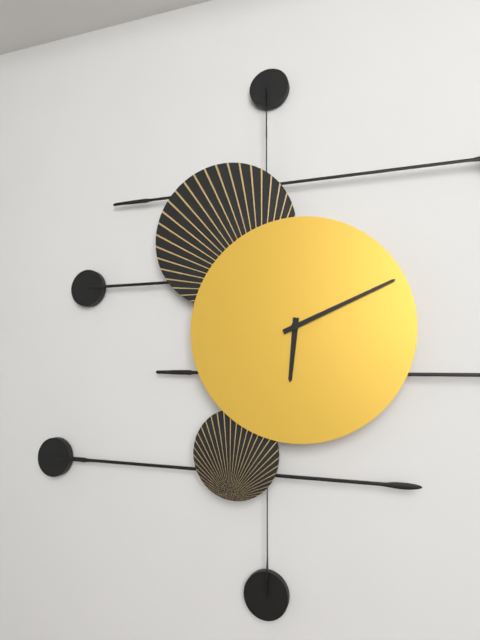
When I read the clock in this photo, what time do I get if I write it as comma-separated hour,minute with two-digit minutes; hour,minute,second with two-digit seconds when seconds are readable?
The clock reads 6,11
